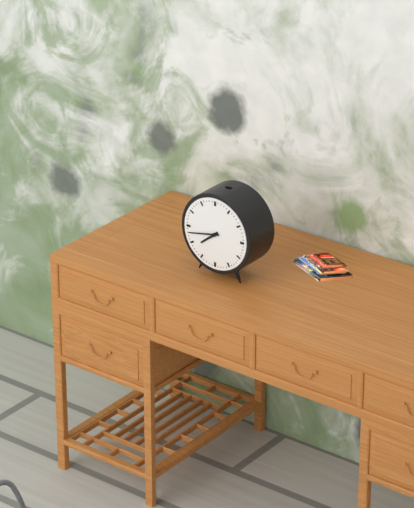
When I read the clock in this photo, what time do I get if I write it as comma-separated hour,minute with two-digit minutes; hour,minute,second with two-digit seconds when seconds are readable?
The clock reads 7,43
